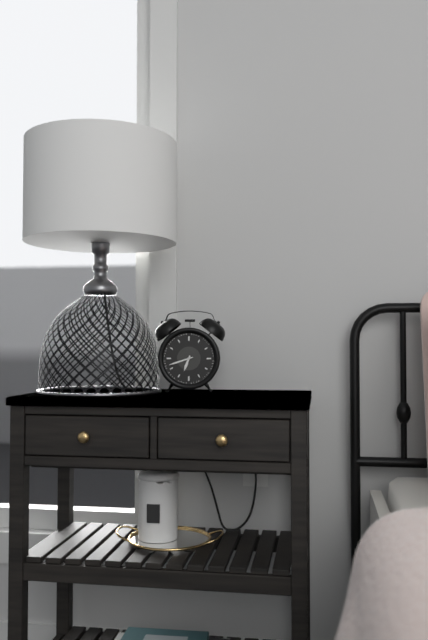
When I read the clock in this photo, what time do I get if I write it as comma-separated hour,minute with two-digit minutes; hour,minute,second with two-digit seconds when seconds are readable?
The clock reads 6,42
